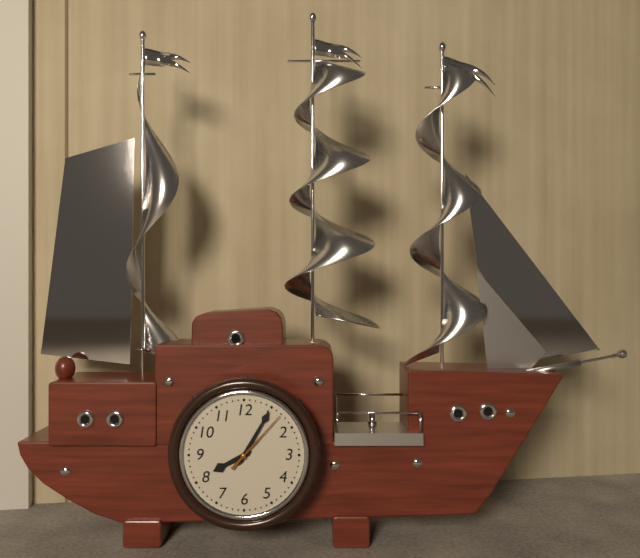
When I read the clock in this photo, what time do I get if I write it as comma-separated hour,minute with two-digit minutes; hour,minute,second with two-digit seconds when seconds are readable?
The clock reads 8,05,07
